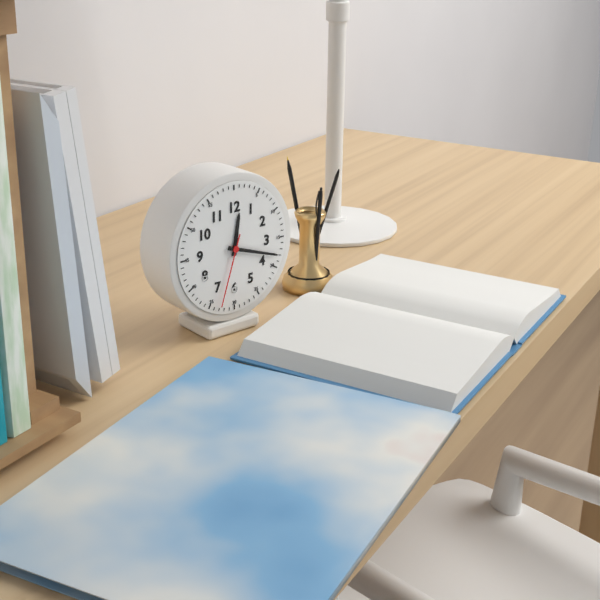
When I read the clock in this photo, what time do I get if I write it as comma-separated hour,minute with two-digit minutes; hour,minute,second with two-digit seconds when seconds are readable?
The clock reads 12,18,33
